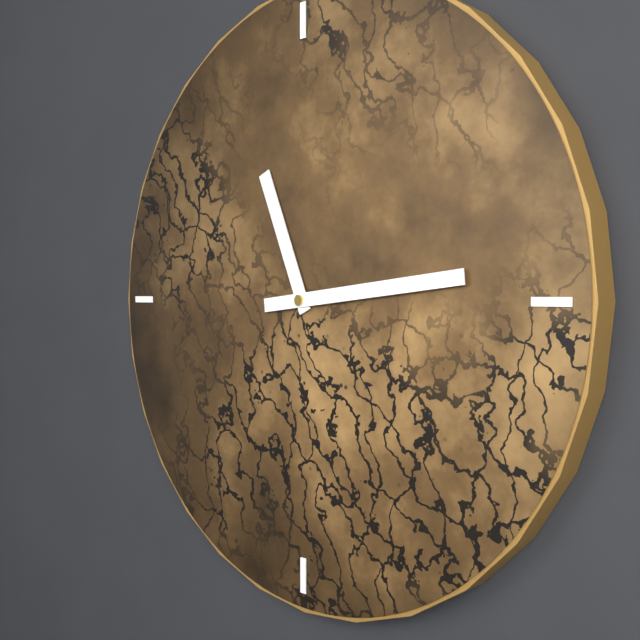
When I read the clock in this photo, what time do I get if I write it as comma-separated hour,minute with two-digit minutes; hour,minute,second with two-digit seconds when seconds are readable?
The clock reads 11,14
